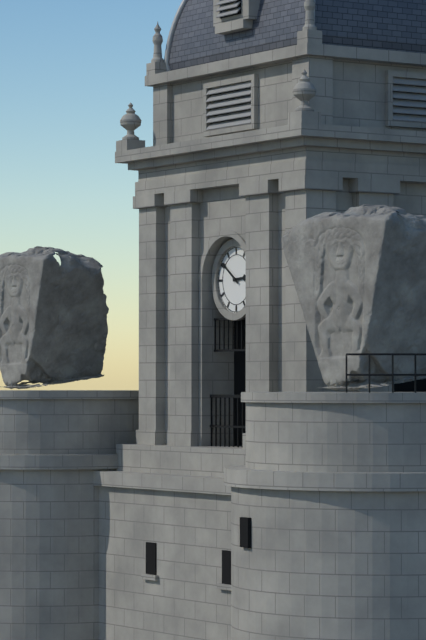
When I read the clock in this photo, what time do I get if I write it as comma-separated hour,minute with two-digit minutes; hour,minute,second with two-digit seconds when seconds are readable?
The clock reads 2,51
